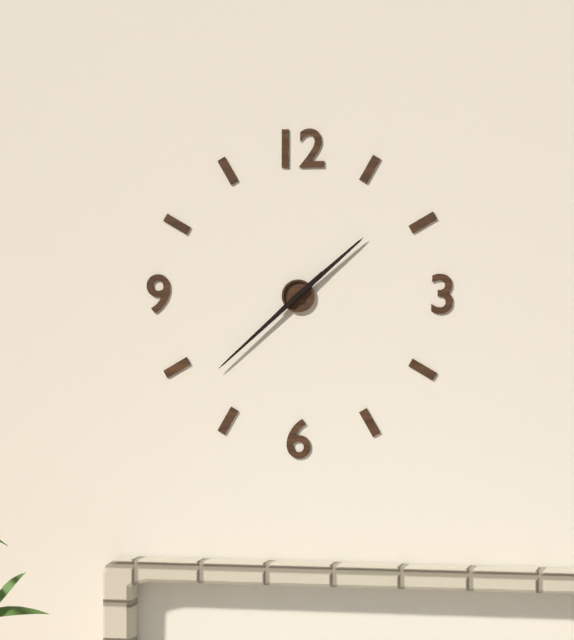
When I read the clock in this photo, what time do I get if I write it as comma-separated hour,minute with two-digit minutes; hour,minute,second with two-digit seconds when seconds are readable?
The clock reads 1,38
